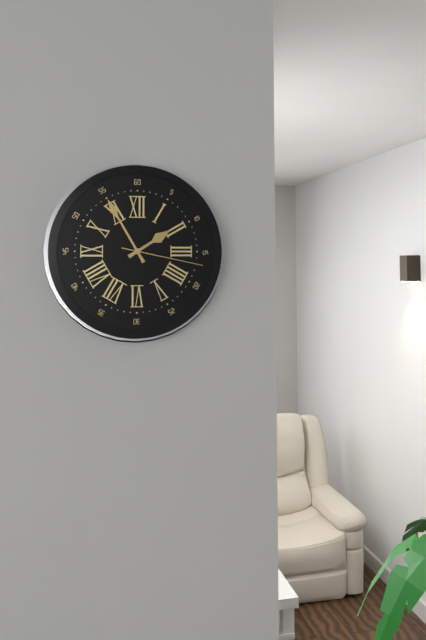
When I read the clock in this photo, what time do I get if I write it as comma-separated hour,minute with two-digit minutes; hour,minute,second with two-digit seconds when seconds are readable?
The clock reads 1,55,17
